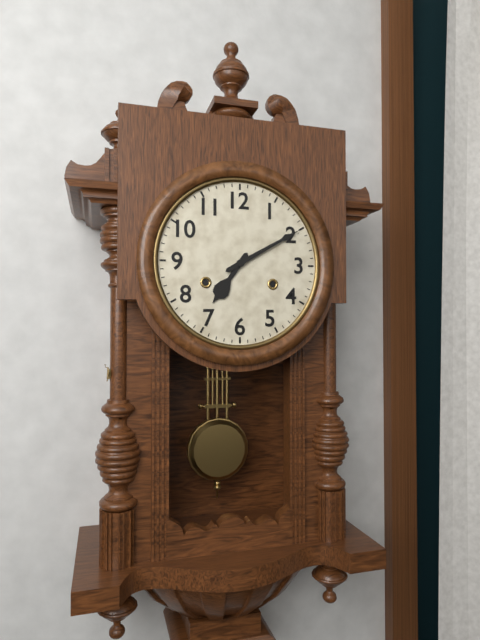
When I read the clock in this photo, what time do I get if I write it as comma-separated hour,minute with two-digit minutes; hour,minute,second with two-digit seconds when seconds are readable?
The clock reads 7,10
